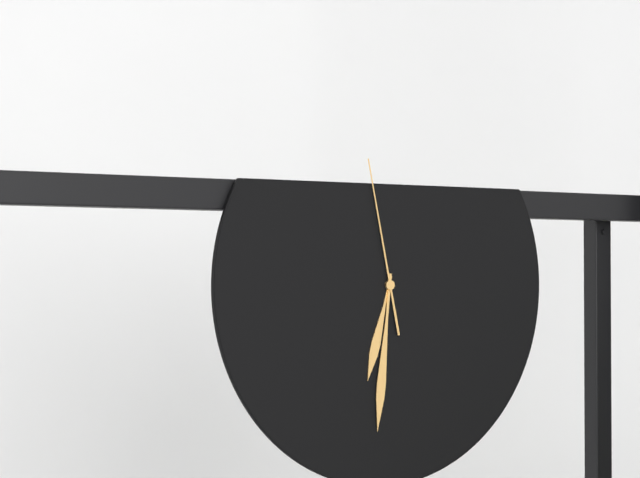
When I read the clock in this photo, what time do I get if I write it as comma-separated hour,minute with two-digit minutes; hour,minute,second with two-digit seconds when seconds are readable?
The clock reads 6,31,58
